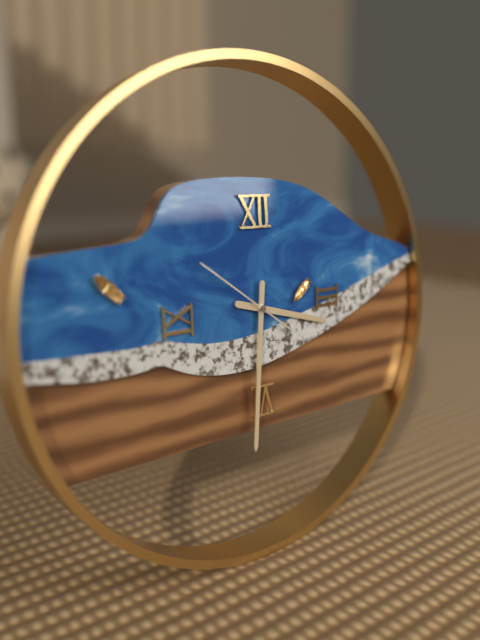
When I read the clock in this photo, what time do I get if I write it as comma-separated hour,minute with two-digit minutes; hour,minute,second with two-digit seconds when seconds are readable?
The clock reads 3,31,51
